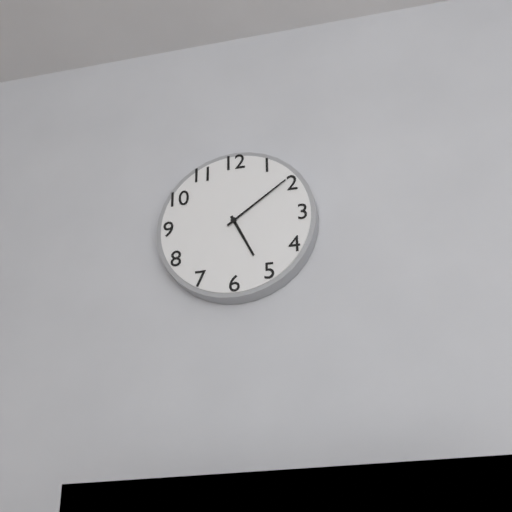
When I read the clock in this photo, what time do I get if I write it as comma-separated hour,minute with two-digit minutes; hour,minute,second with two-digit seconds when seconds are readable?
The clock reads 5,09
